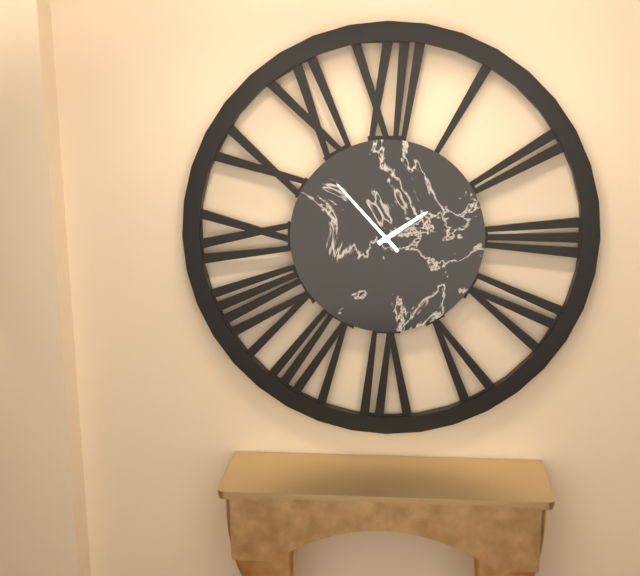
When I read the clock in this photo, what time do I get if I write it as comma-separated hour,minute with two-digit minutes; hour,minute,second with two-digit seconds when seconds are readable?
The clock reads 1,53
